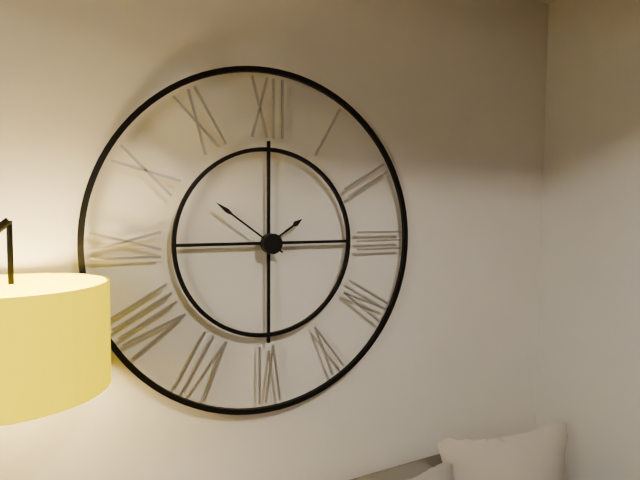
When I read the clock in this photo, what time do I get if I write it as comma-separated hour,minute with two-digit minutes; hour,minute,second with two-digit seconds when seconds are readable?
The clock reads 1,51
